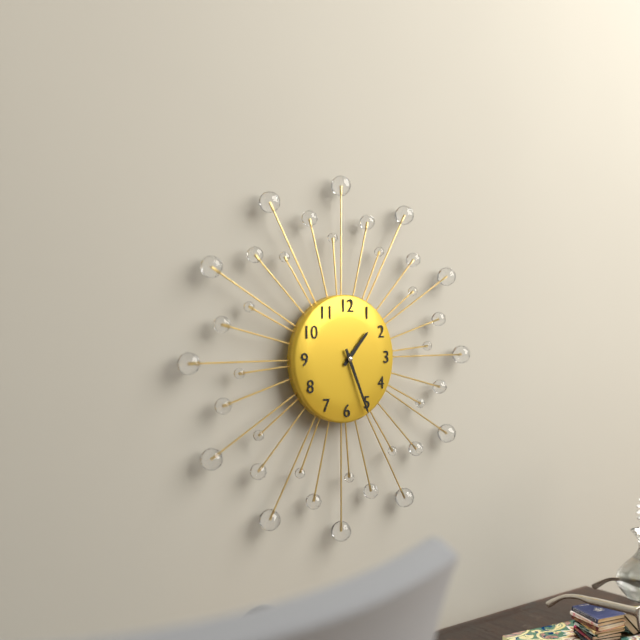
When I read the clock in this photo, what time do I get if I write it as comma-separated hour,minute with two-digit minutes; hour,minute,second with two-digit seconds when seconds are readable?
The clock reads 1,26
